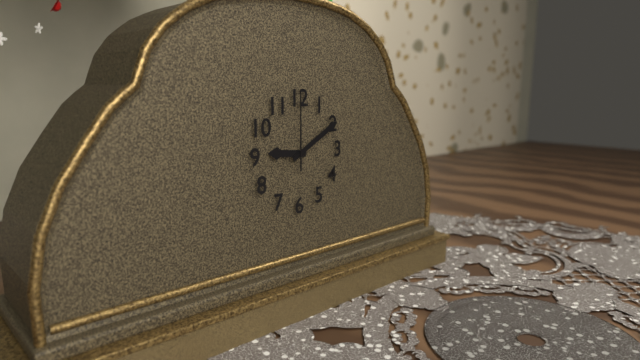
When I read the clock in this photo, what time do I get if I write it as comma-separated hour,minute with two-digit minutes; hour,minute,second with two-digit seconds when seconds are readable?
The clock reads 9,10,00
